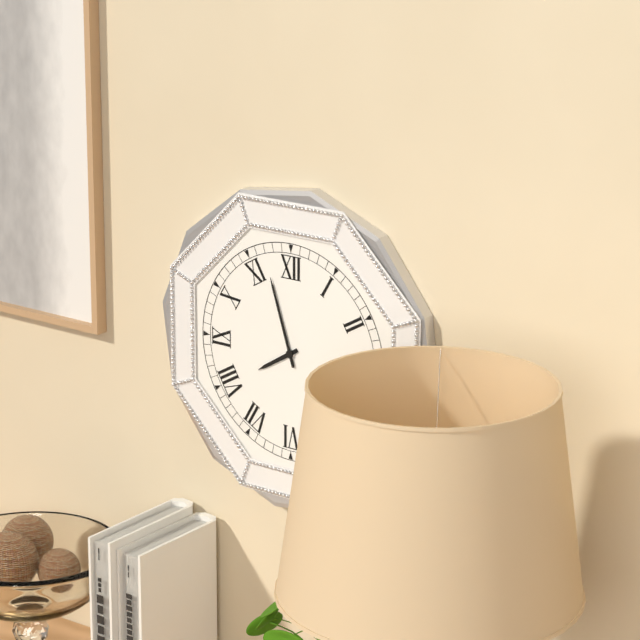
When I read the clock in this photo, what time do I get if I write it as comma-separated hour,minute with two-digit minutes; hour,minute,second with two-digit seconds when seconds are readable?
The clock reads 7,57
